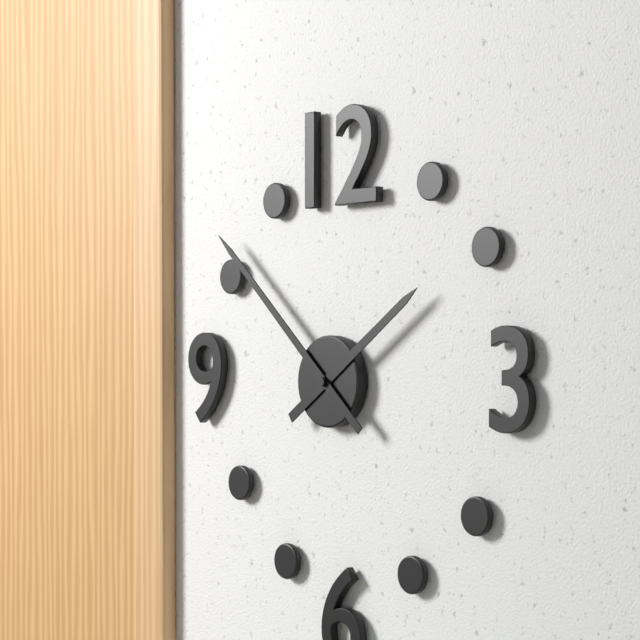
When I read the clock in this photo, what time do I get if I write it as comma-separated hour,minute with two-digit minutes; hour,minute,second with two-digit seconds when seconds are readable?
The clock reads 1,52
